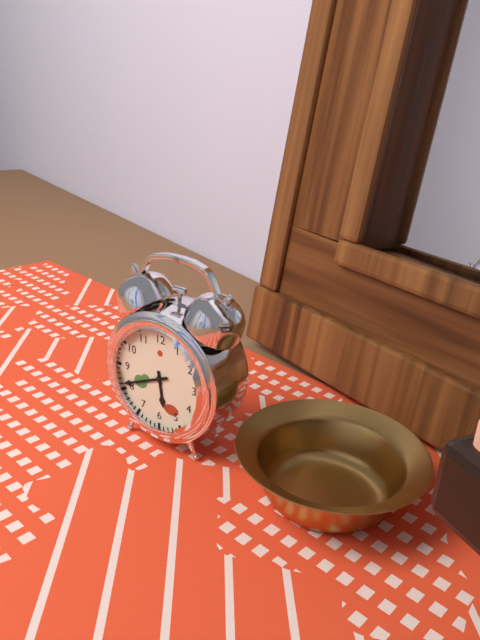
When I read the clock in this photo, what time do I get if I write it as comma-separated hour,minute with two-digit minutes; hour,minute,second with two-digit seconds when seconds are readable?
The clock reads 5,41
